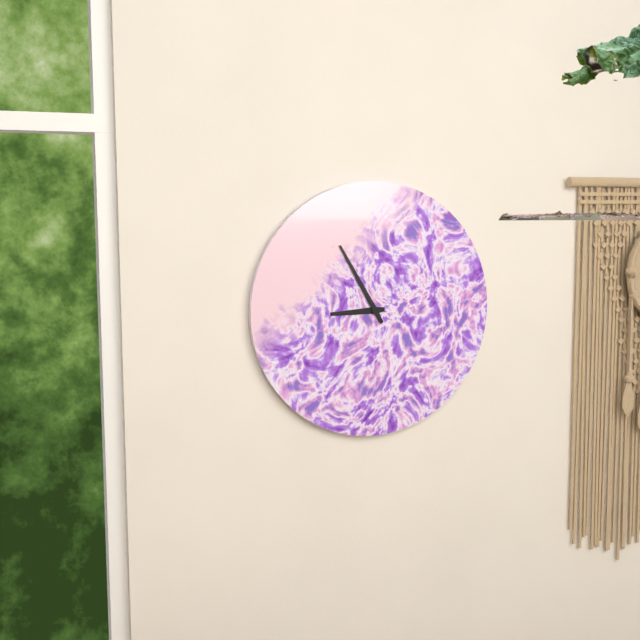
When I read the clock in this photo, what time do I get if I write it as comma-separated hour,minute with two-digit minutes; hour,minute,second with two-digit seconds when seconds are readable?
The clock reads 8,55
